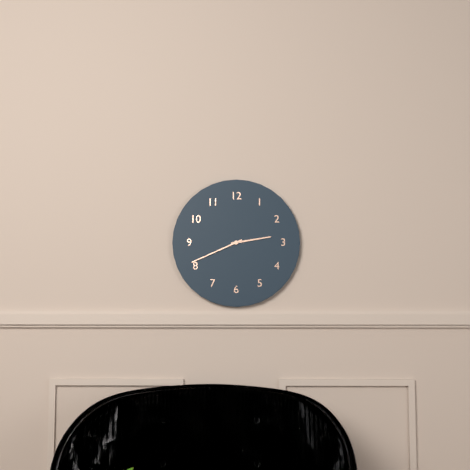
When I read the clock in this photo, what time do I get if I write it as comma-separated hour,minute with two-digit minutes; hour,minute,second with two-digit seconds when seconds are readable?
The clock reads 2,41
